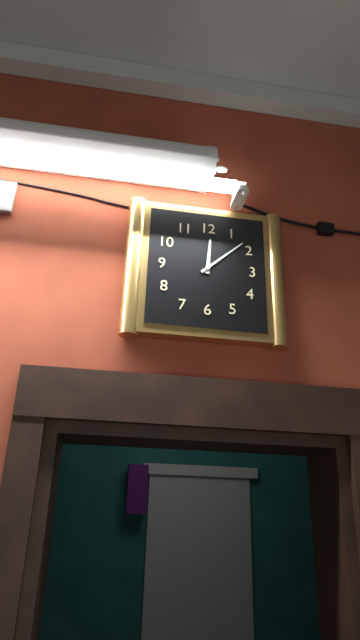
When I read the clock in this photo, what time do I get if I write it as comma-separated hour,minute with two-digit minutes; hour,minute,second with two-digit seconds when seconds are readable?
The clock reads 12,08
